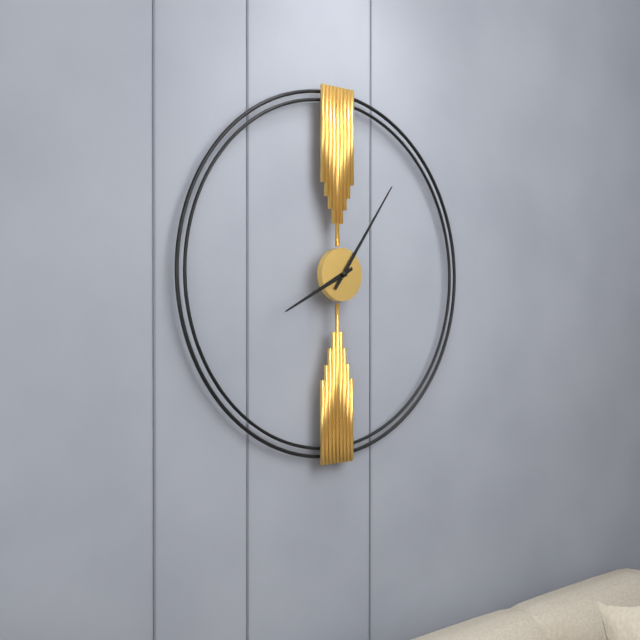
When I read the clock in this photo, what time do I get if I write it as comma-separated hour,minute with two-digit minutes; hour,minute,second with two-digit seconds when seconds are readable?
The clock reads 8,06
